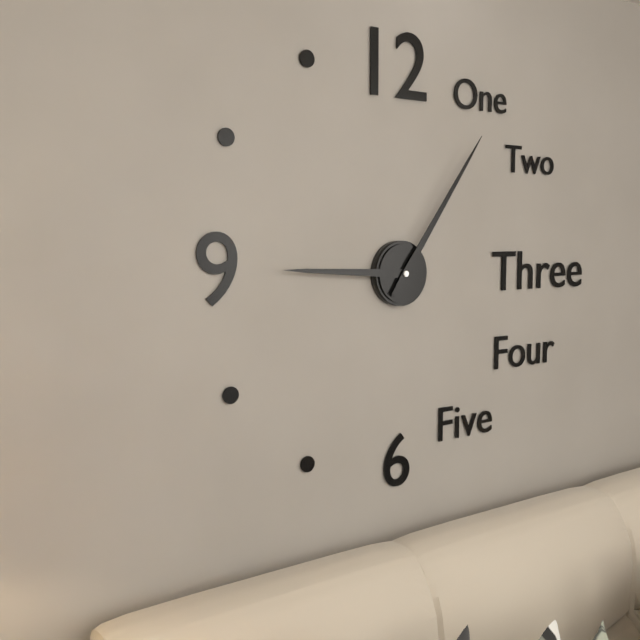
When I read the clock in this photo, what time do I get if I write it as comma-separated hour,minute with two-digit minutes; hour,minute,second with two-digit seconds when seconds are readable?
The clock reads 9,06
